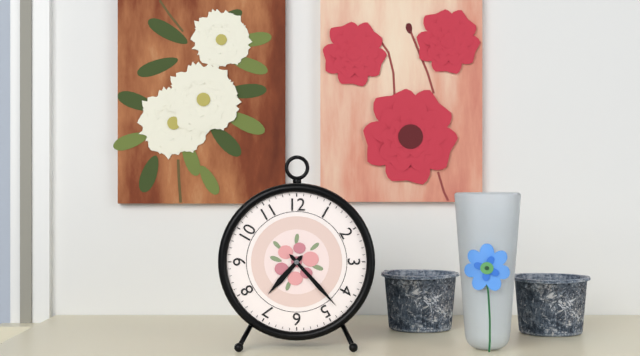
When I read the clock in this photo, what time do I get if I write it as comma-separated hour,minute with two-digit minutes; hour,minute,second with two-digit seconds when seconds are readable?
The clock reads 7,23
